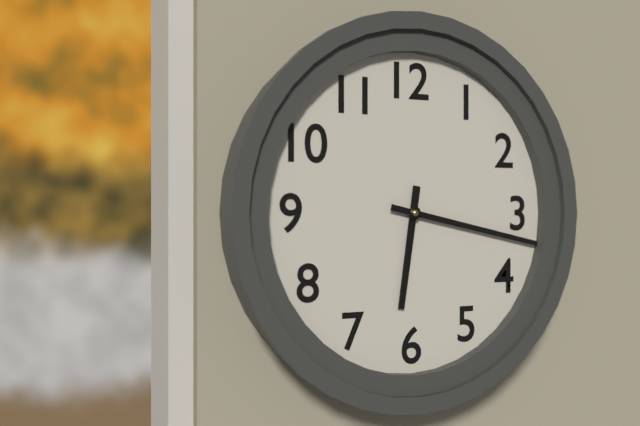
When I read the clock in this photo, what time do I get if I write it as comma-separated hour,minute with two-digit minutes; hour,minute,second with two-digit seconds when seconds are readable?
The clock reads 6,17
